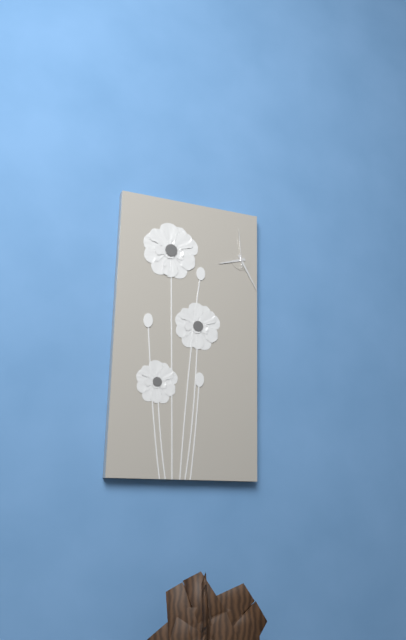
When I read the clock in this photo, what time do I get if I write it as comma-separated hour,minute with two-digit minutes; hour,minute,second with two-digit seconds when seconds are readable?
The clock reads 8,25
